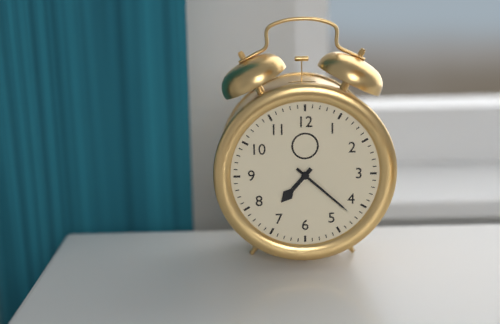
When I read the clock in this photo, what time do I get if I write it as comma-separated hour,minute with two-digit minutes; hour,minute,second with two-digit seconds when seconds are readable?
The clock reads 7,22
